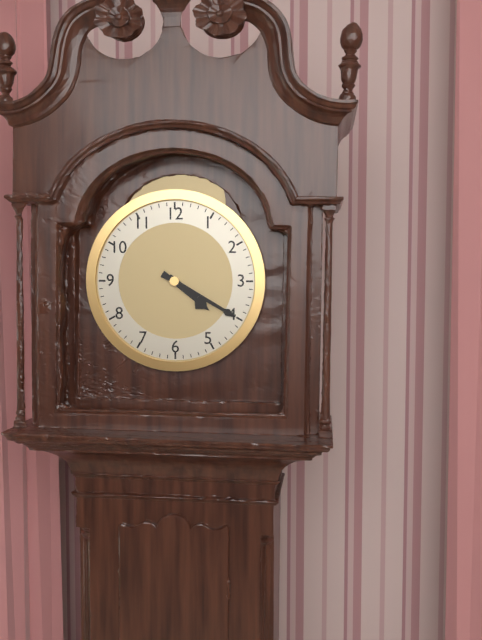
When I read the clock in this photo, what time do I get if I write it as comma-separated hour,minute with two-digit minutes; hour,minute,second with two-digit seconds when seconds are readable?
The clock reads 4,20
